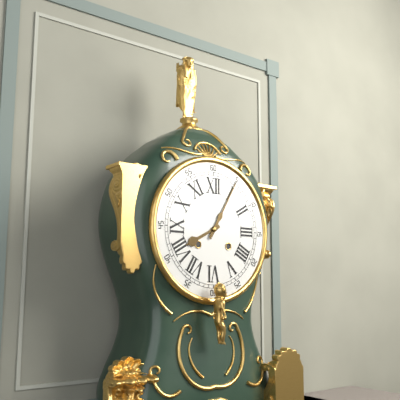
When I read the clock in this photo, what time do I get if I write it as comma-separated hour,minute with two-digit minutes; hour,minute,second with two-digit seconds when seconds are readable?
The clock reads 8,05
